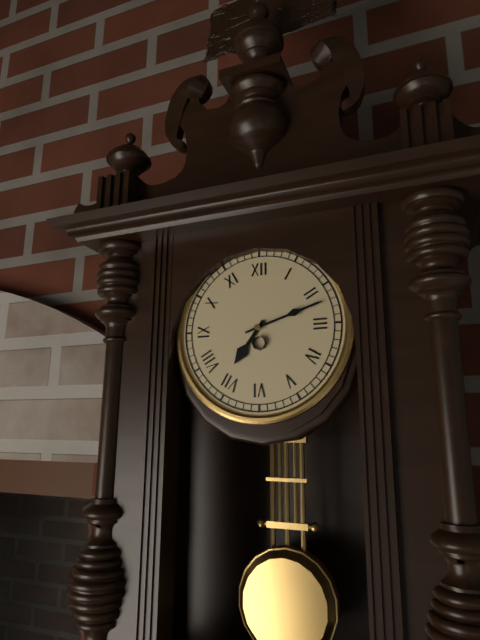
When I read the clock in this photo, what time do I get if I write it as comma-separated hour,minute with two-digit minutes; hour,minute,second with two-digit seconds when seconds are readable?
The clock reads 7,12
